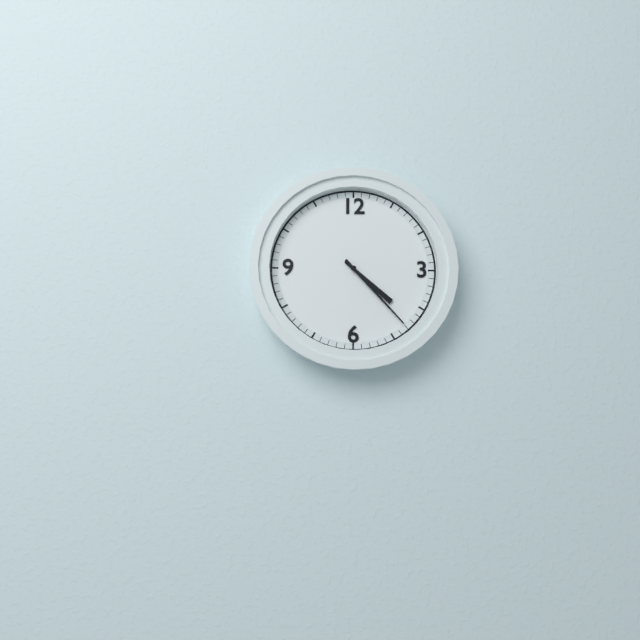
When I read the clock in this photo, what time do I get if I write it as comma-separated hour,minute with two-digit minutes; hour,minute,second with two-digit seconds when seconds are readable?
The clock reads 4,23
